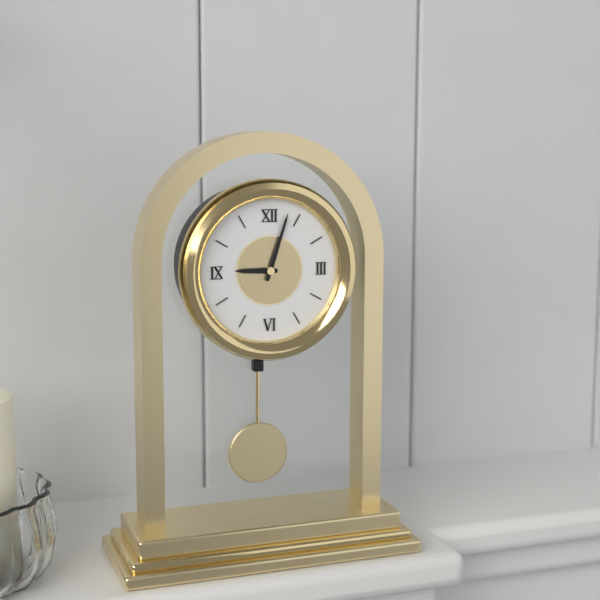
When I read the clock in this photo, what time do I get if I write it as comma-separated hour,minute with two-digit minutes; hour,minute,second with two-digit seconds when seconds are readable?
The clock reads 9,03
